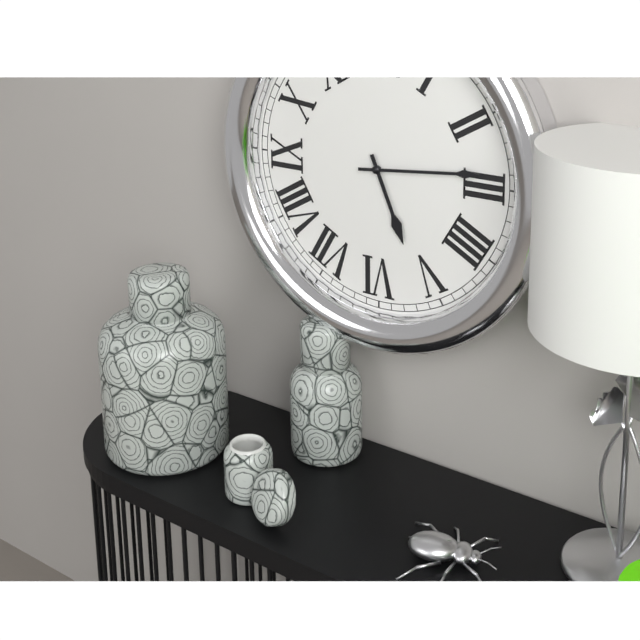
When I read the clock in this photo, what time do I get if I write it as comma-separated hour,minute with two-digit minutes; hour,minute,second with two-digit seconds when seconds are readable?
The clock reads 5,14
